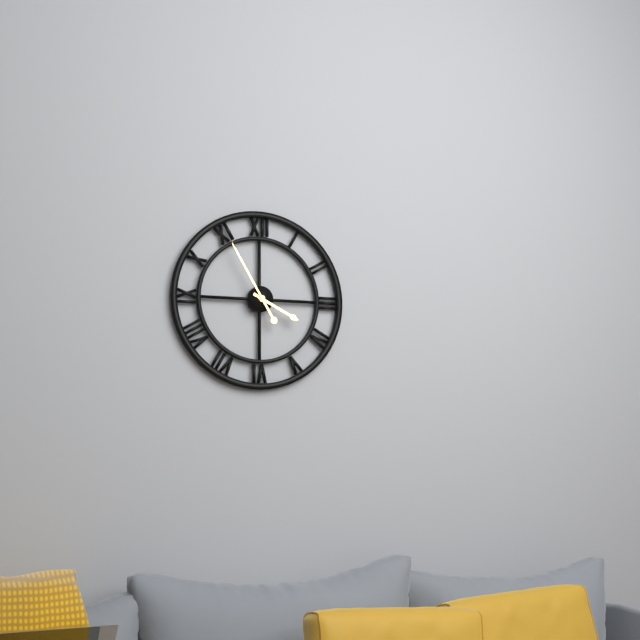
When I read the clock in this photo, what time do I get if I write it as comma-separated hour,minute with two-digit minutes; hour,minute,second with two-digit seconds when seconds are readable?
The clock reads 3,55
